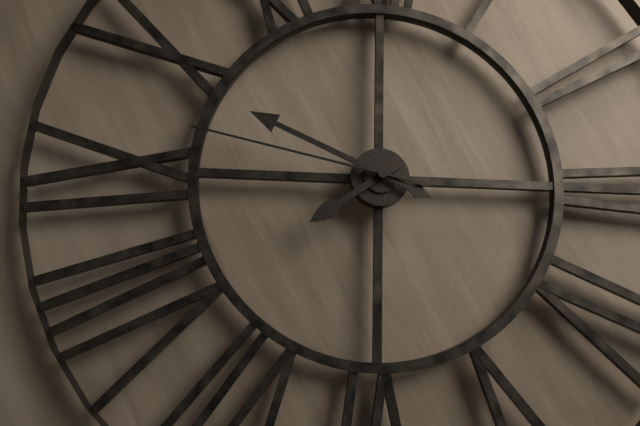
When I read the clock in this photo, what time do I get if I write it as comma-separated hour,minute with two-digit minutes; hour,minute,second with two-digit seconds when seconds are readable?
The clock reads 7,49,47
